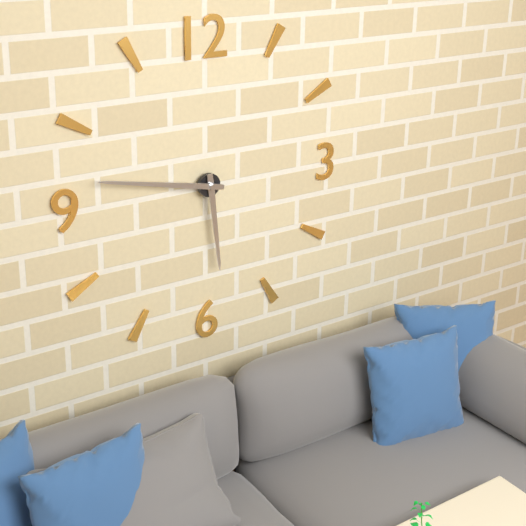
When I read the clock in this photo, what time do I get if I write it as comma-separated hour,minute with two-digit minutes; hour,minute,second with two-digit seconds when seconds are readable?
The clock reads 5,47
